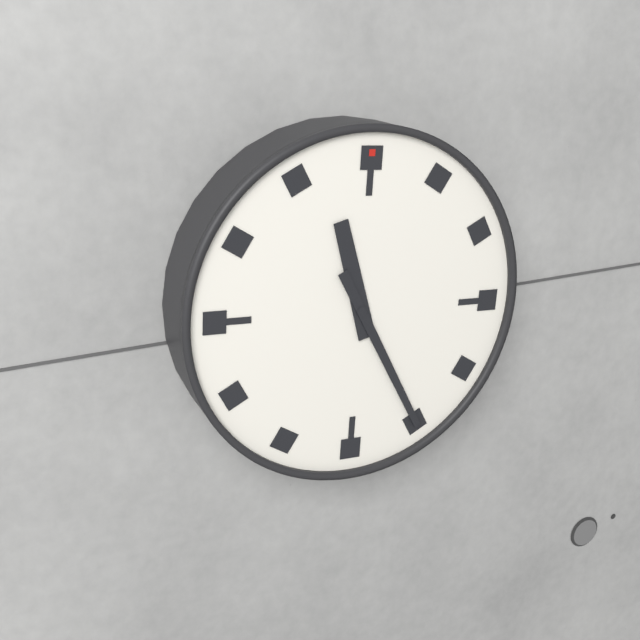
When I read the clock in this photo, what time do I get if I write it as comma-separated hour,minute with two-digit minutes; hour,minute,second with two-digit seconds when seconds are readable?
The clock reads 11,25
